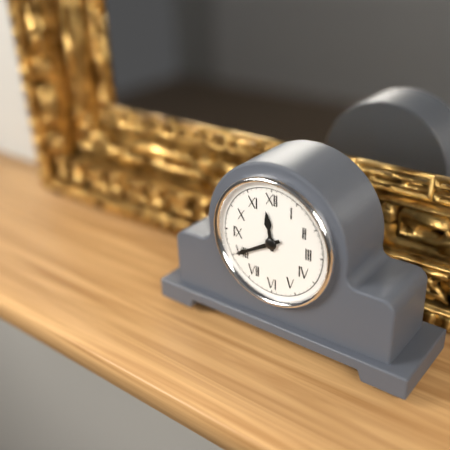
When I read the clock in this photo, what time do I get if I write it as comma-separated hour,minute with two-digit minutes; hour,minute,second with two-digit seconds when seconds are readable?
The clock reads 11,40
